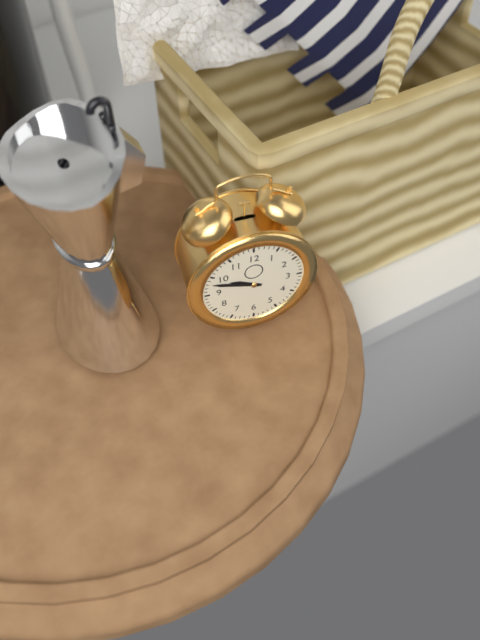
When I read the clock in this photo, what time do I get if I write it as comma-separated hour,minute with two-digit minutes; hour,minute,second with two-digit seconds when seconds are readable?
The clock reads 9,48
